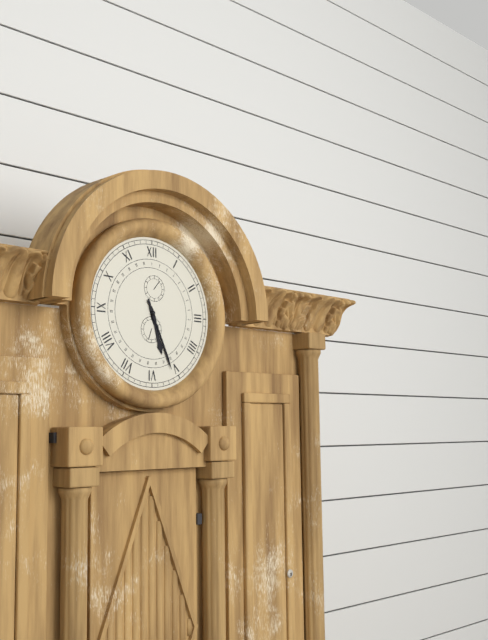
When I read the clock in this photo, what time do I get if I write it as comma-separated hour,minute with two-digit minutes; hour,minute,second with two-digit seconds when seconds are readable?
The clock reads 5,26
